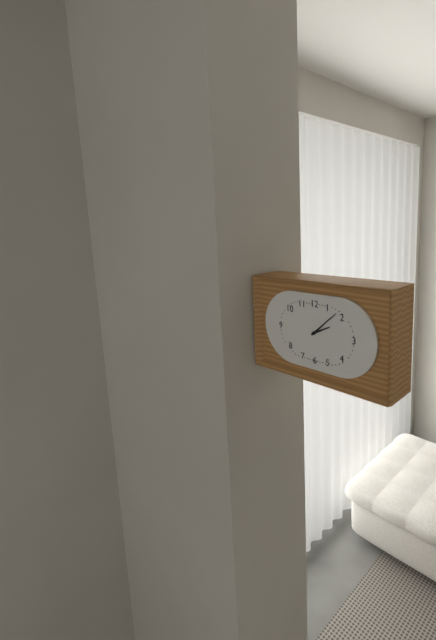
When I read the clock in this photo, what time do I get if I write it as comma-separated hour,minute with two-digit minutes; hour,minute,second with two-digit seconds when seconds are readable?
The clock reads 2,08
